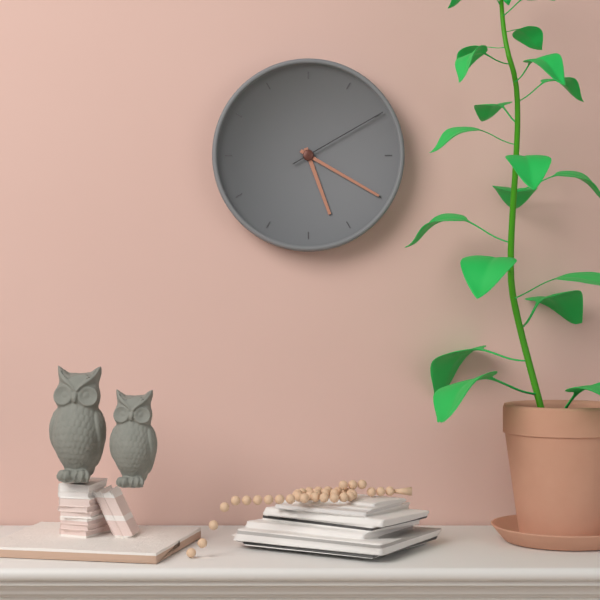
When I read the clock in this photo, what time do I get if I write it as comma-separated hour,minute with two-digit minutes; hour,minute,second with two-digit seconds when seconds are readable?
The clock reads 5,20,10
